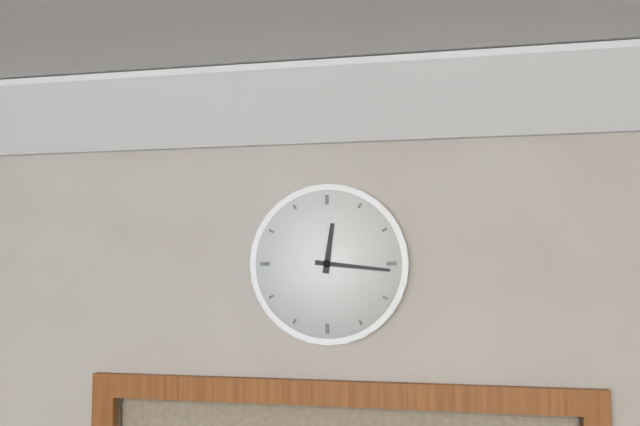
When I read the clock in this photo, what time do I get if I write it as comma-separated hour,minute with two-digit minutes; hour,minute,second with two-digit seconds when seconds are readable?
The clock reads 12,16
